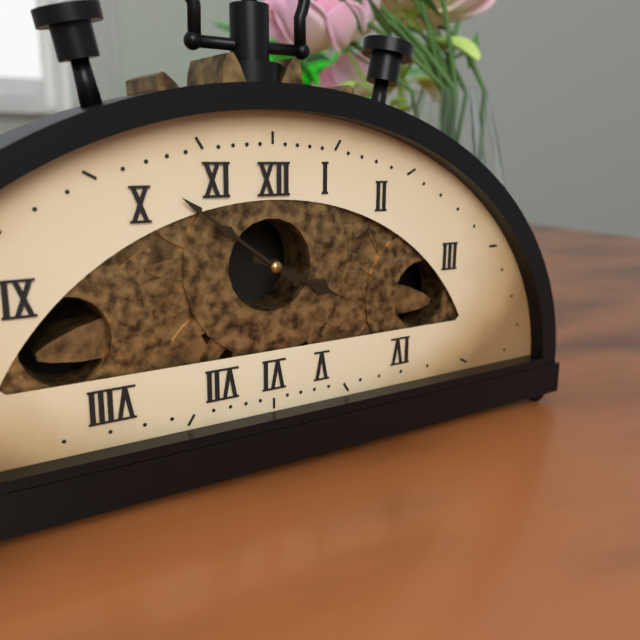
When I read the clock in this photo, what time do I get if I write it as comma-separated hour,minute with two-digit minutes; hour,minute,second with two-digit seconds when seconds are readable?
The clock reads 3,51
